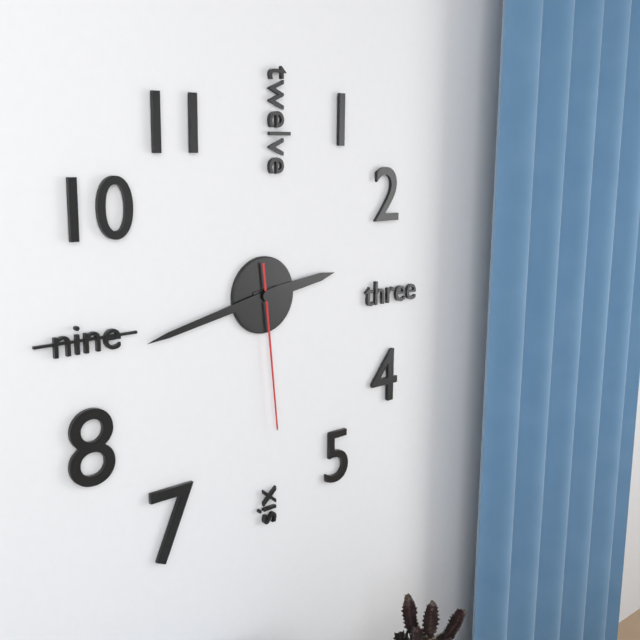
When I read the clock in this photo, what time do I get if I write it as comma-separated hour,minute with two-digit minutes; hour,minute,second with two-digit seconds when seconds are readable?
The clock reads 2,43,29
